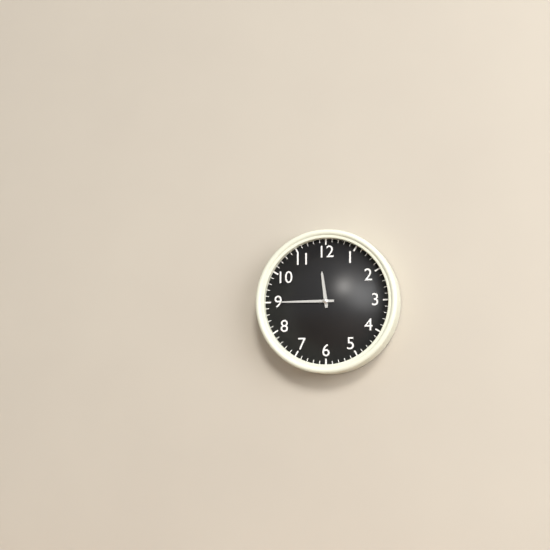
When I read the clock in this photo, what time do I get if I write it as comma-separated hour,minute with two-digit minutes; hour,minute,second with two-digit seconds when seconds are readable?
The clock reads 11,45
